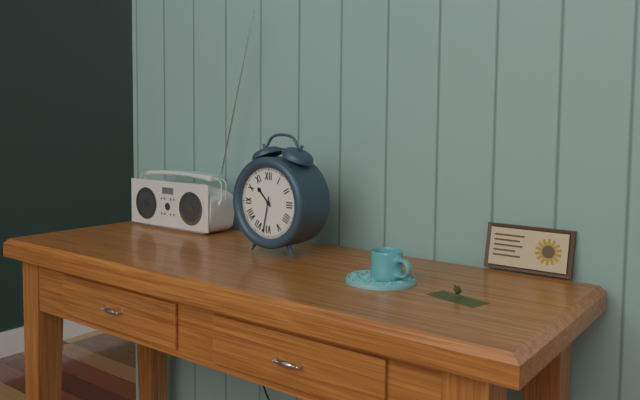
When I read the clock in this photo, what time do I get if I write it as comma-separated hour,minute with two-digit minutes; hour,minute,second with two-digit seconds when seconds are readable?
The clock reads 10,32
